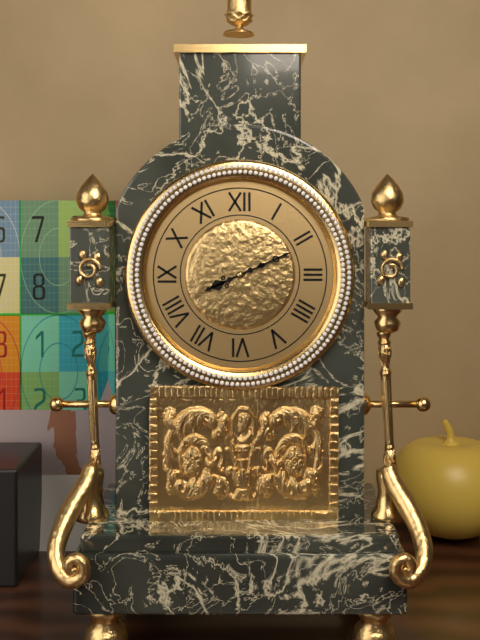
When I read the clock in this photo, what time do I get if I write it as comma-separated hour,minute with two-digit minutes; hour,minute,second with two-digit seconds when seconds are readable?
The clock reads 8,11
